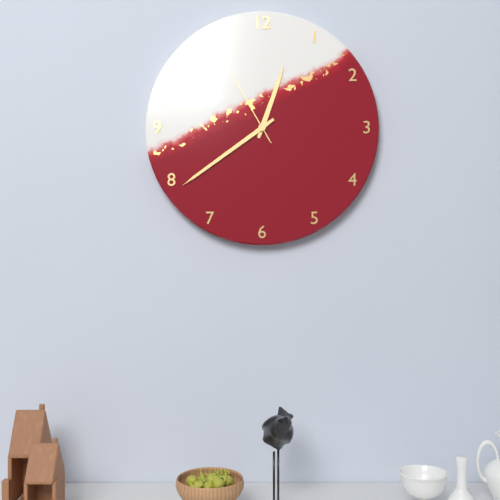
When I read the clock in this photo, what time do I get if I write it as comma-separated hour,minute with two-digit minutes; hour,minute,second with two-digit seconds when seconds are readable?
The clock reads 12,39,55
